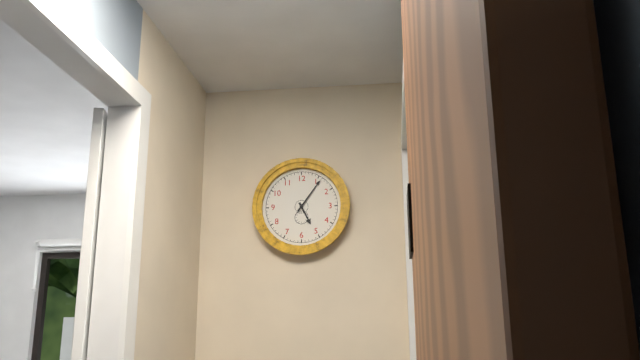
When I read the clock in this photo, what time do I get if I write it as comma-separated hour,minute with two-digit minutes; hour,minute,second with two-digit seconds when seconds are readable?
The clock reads 5,06
